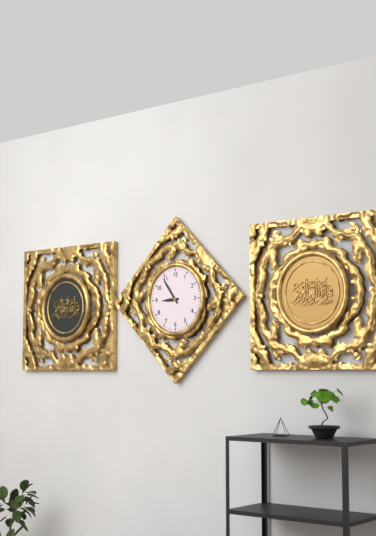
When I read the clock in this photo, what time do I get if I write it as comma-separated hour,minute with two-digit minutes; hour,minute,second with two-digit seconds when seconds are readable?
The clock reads 8,54
